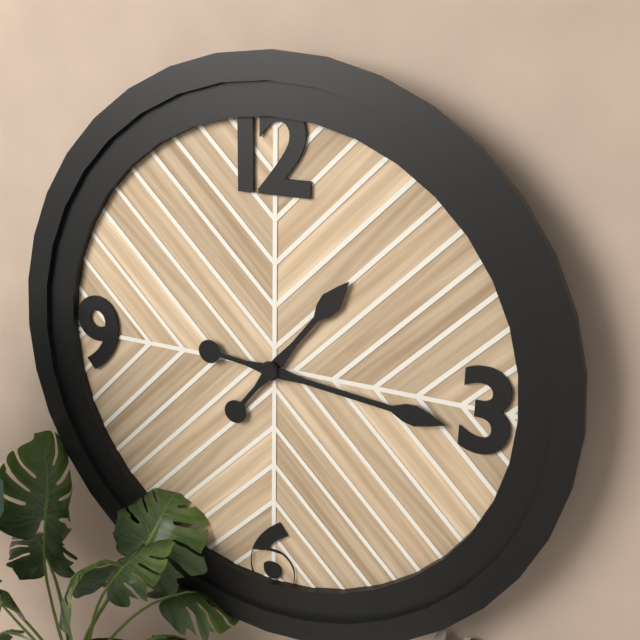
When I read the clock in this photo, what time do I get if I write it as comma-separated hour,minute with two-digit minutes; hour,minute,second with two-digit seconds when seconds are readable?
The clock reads 1,16
